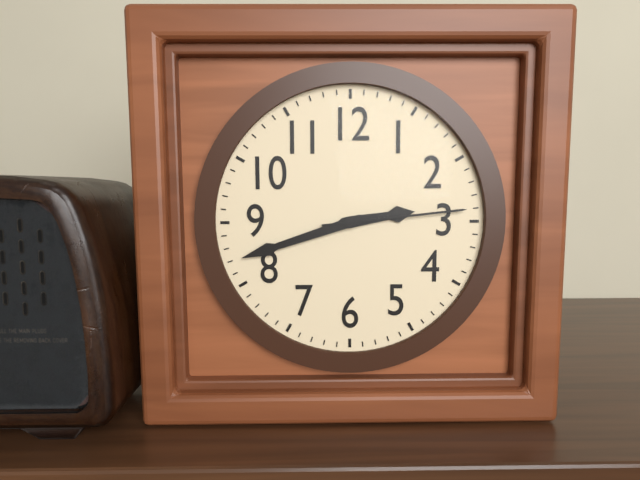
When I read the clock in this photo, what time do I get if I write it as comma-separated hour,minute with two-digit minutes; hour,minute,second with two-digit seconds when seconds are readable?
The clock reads 2,42,14
